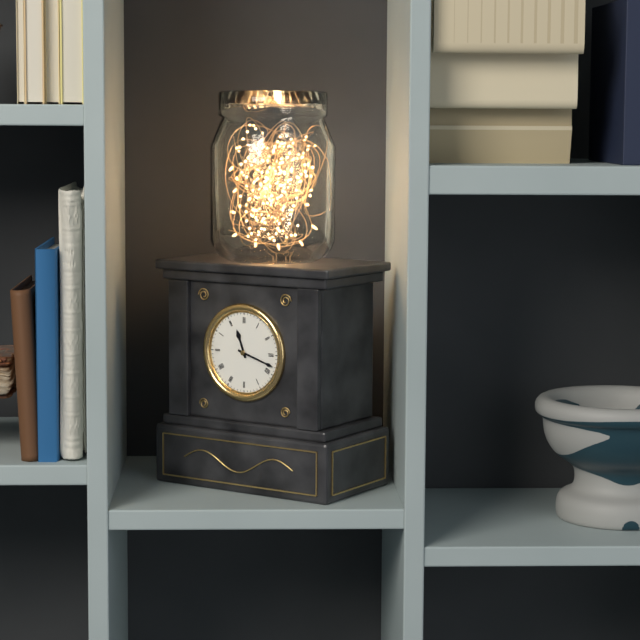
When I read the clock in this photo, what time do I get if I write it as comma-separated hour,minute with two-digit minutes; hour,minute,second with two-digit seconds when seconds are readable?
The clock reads 11,18
